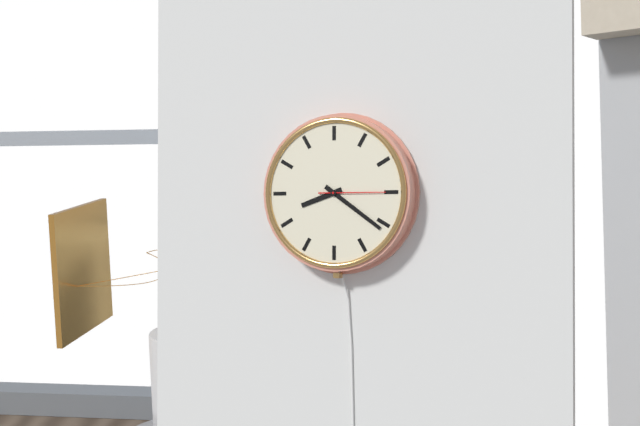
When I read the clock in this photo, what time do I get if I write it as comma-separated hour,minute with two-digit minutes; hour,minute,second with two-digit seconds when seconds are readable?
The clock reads 8,21,15
